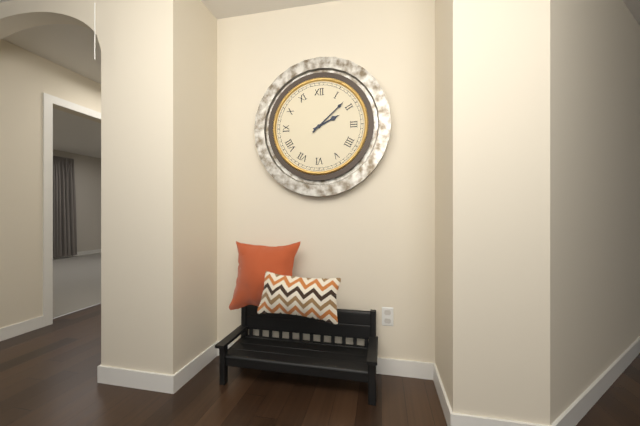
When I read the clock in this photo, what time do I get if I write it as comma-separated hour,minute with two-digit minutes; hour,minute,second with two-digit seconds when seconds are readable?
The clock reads 2,08
